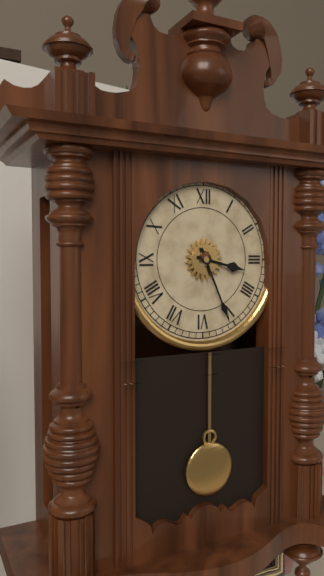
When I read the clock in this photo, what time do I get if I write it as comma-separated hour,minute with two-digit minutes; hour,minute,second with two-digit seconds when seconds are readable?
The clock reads 3,26
